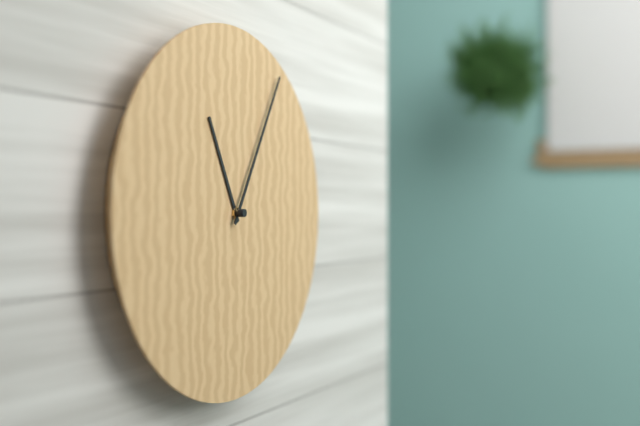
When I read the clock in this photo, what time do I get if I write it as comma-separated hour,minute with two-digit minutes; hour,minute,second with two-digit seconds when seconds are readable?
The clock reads 11,05
